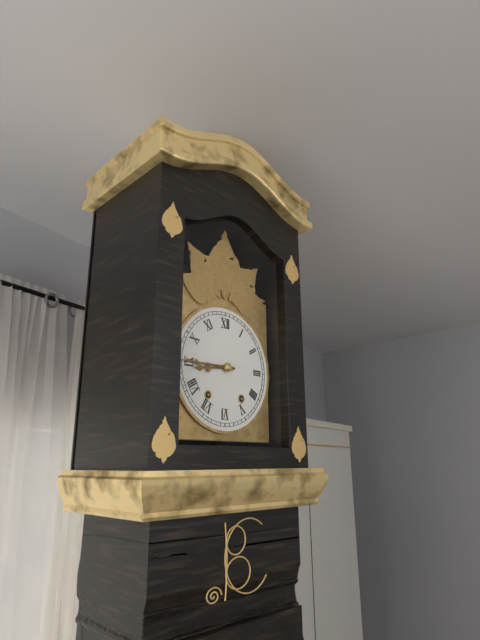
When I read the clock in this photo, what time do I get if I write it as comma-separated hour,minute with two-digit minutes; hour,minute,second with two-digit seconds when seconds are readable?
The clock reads 8,45
